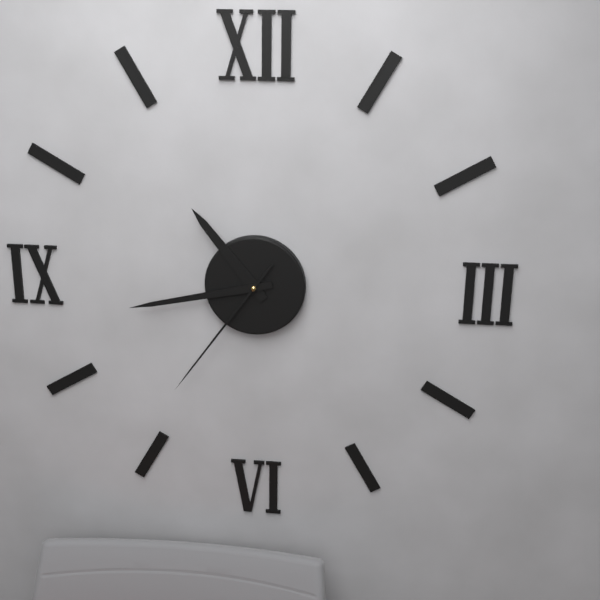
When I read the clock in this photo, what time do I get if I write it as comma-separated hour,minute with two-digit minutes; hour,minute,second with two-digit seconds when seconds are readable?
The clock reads 10,43,36
